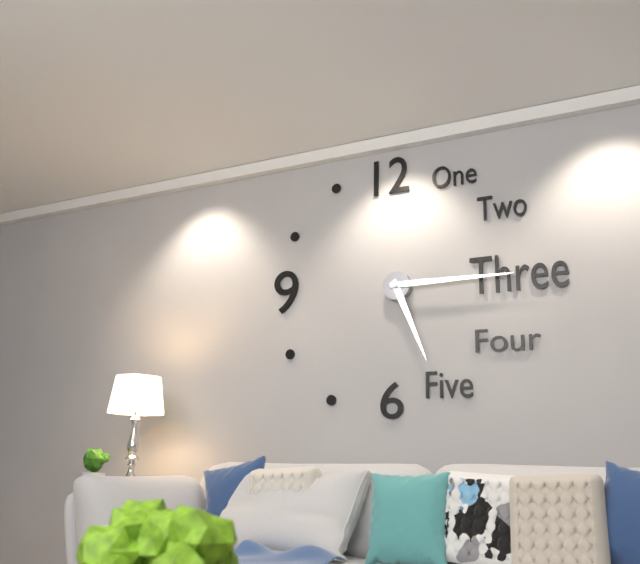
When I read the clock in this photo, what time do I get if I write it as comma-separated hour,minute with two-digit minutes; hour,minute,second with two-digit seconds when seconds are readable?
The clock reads 5,15
